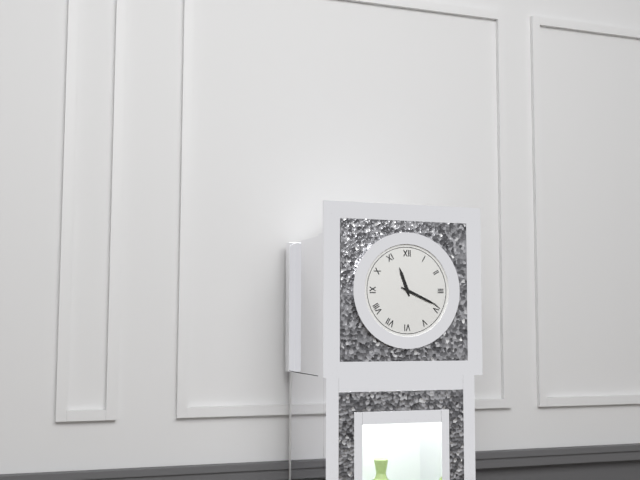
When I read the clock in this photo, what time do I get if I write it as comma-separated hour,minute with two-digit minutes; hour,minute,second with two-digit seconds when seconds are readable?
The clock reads 11,19
